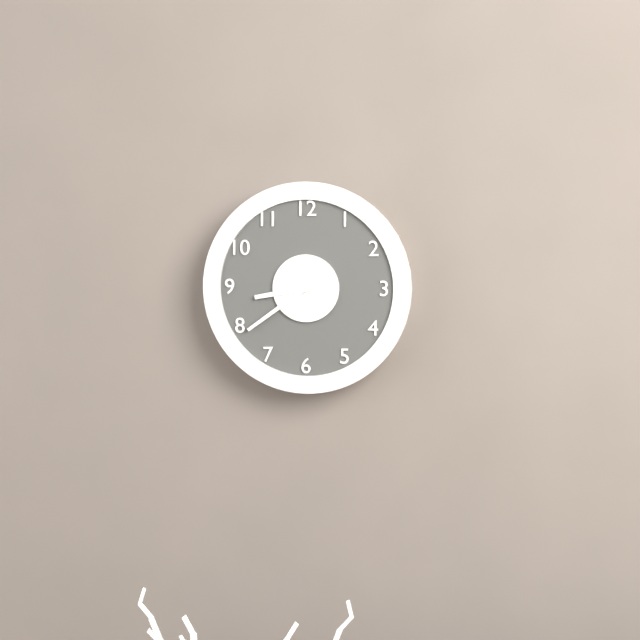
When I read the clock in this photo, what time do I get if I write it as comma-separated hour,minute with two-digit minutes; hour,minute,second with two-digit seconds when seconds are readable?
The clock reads 8,39
